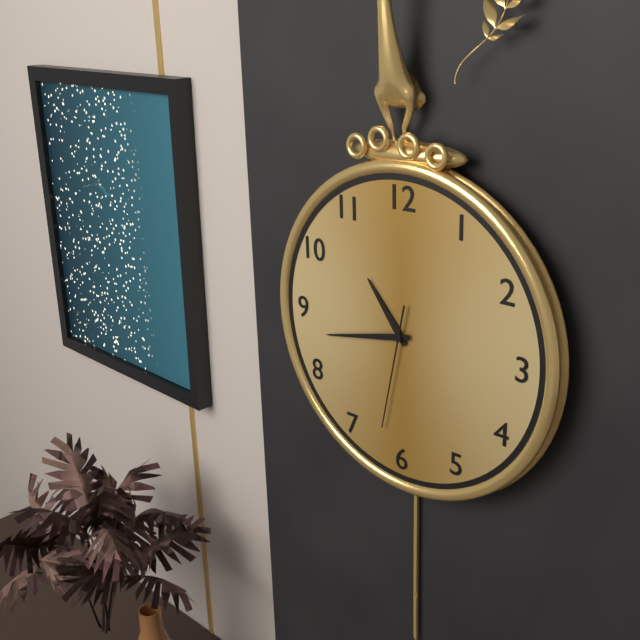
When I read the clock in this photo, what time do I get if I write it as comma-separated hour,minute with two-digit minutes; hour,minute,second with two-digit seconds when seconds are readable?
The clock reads 10,43,32
